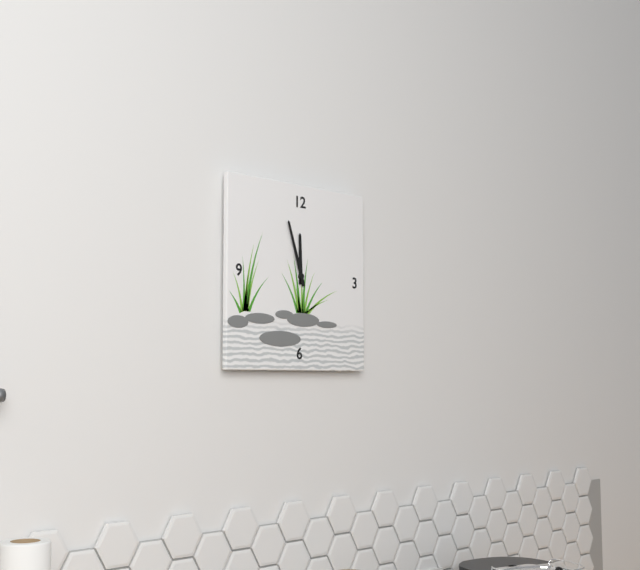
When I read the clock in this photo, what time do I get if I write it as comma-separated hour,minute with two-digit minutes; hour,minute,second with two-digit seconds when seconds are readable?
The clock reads 11,57
